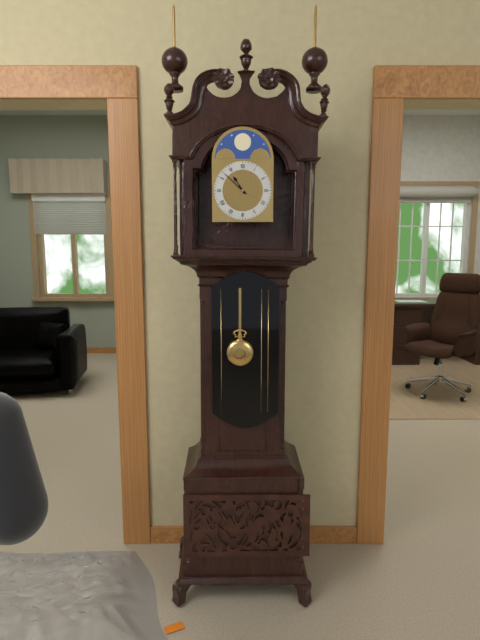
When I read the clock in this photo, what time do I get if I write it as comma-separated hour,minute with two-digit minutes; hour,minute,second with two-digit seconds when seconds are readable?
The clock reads 10,52
